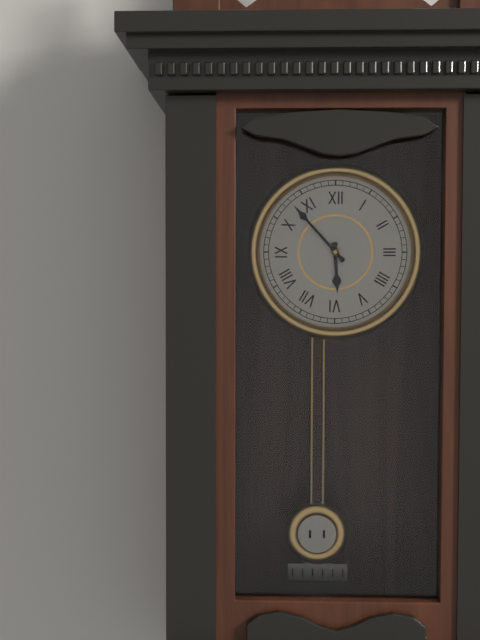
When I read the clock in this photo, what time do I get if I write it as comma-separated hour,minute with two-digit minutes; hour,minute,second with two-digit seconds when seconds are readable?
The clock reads 5,53
